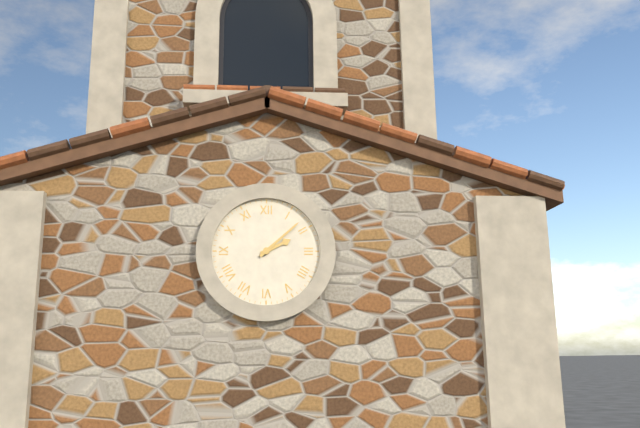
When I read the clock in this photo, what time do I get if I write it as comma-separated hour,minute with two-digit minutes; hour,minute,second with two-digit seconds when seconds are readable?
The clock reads 2,08
